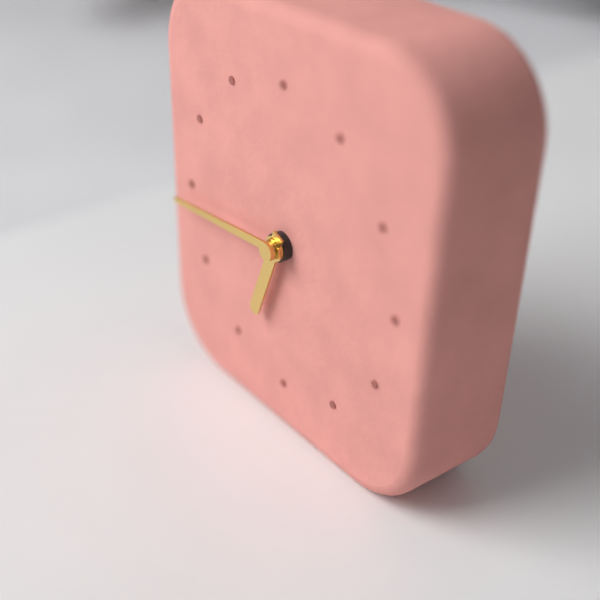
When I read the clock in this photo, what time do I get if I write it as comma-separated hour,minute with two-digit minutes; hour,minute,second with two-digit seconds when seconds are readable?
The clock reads 6,44
